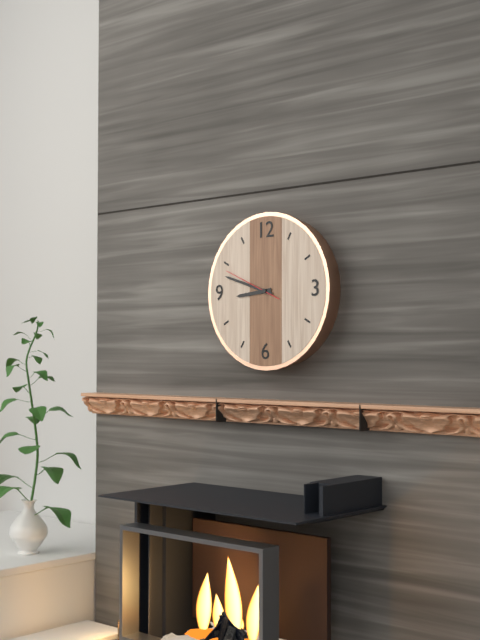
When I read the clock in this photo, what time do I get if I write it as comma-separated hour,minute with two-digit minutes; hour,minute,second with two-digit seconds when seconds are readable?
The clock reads 8,48,49
